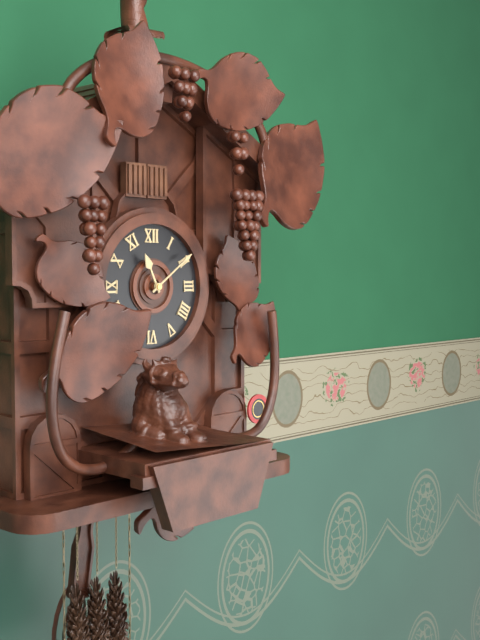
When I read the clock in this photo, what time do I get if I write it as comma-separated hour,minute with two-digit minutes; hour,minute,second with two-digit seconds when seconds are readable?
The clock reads 11,09
